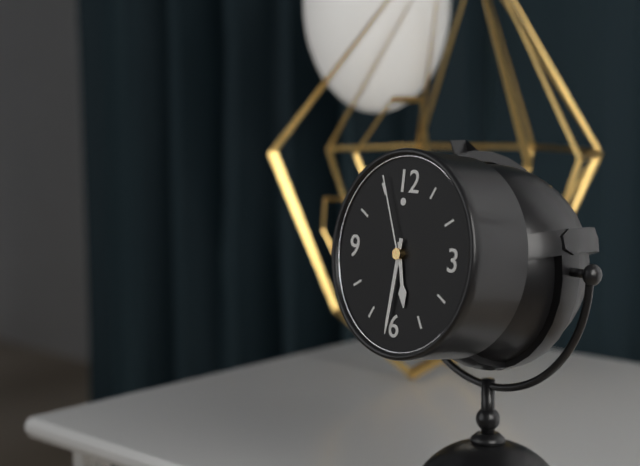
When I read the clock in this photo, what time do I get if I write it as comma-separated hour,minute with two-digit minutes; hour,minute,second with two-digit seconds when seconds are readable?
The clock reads 5,31,56
